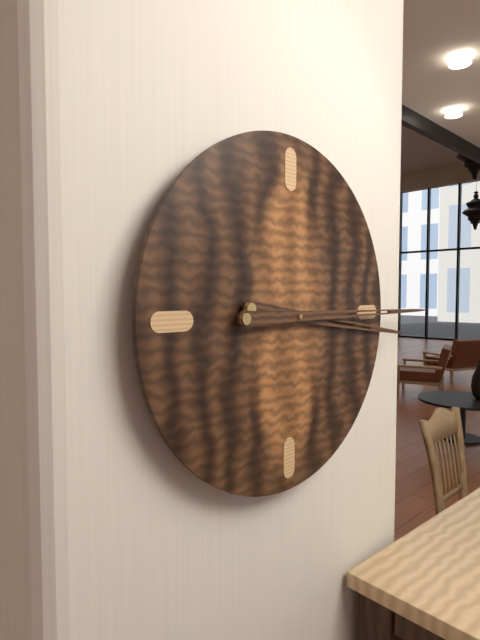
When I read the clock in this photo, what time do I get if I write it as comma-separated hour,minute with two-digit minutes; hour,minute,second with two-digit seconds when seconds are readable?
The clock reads 3,15
